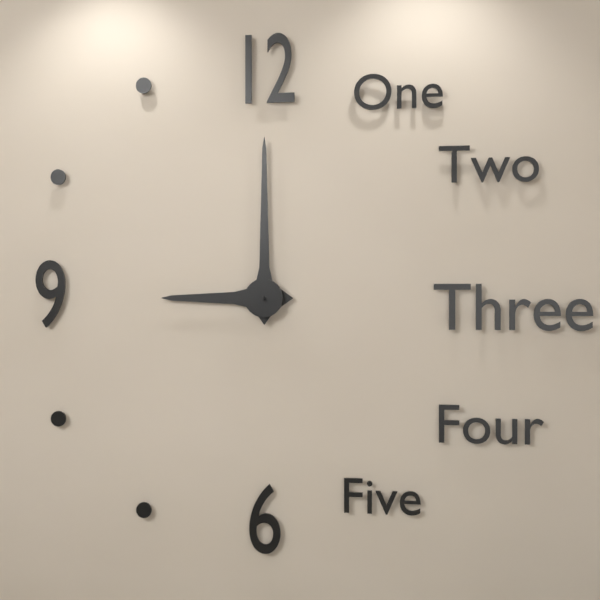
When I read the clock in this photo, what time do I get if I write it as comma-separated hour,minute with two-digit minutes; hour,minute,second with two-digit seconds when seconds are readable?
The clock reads 9,00
